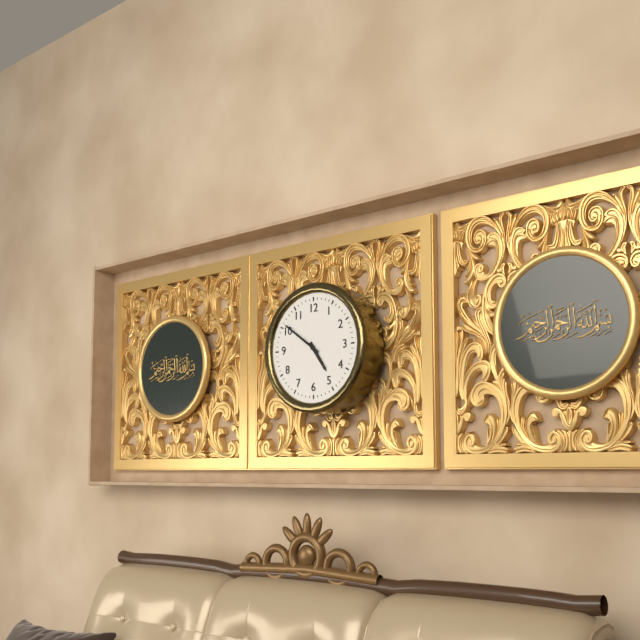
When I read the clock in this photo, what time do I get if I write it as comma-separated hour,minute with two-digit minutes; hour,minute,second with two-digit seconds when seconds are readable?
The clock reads 4,51
